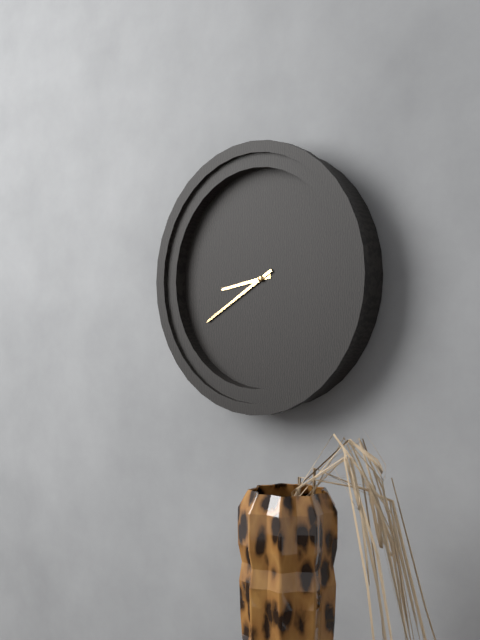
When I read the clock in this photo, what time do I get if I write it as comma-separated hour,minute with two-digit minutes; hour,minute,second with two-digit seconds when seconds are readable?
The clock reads 8,40
